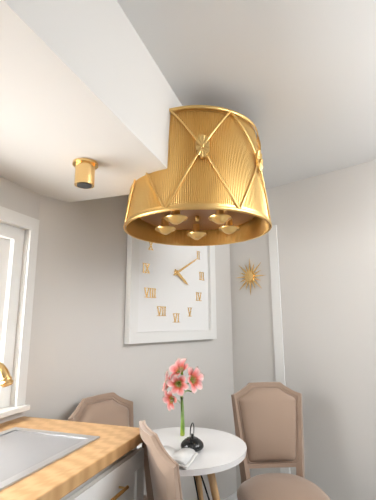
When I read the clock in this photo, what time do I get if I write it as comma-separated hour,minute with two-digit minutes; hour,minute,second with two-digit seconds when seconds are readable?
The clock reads 4,10
